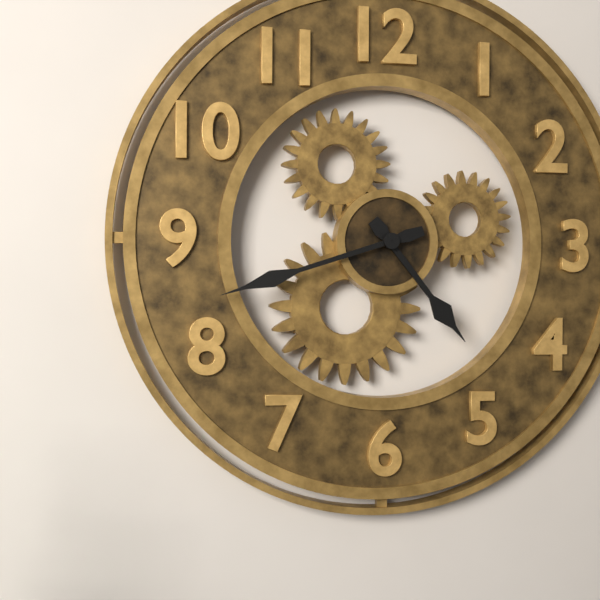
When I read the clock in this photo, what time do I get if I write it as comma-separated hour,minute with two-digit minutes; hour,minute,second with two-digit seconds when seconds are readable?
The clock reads 4,42
